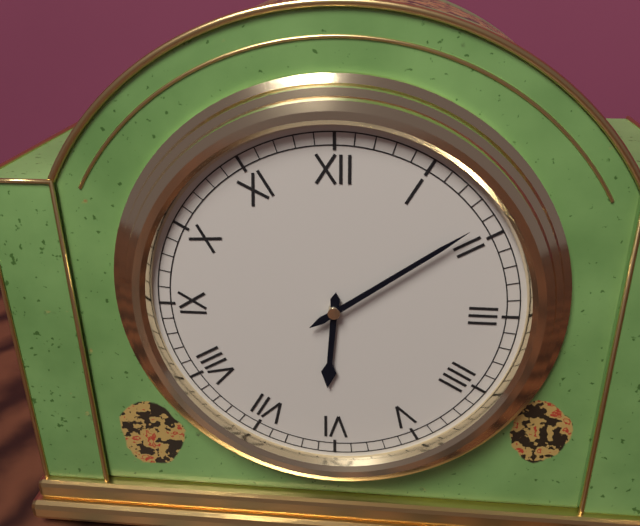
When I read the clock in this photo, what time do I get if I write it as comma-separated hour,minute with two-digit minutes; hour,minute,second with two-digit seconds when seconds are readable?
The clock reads 6,09
